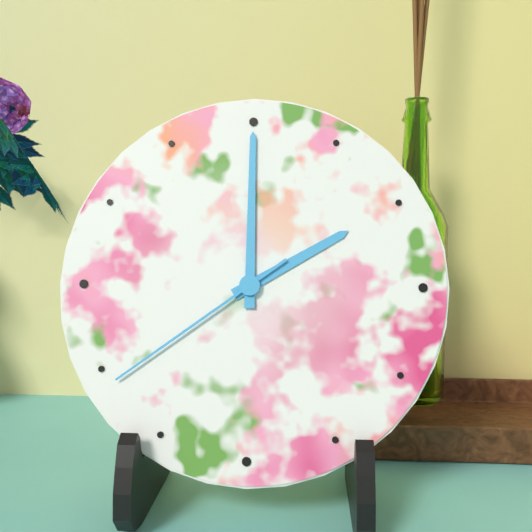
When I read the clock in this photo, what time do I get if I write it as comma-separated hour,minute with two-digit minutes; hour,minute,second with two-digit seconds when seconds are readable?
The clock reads 2,00,39
